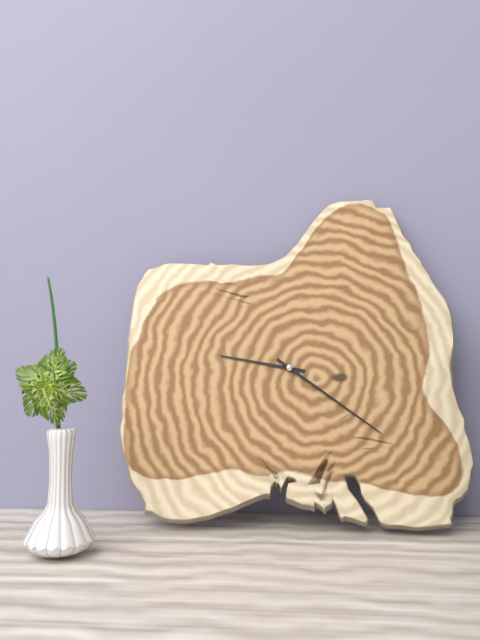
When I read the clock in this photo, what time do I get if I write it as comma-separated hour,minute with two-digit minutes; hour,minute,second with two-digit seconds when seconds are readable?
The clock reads 9,21
